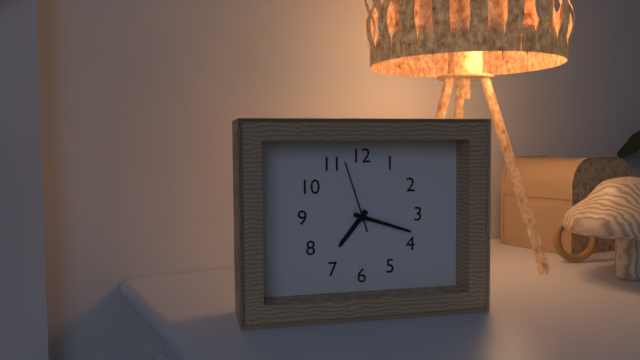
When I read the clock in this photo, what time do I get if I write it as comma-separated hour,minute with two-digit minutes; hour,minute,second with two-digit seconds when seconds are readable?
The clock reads 7,18,57
